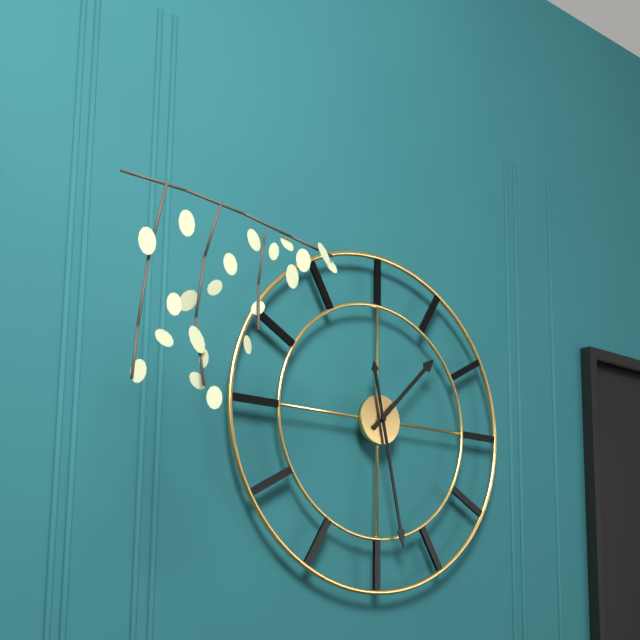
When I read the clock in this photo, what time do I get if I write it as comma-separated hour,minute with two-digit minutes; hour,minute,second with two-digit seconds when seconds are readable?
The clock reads 1,28
